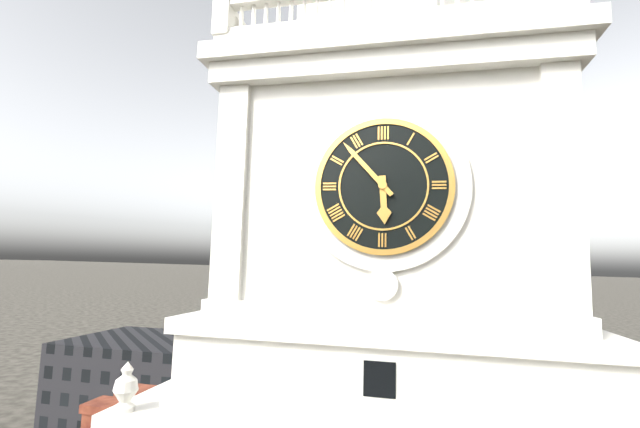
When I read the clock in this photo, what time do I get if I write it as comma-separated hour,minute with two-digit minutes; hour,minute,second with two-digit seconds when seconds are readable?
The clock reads 5,53
